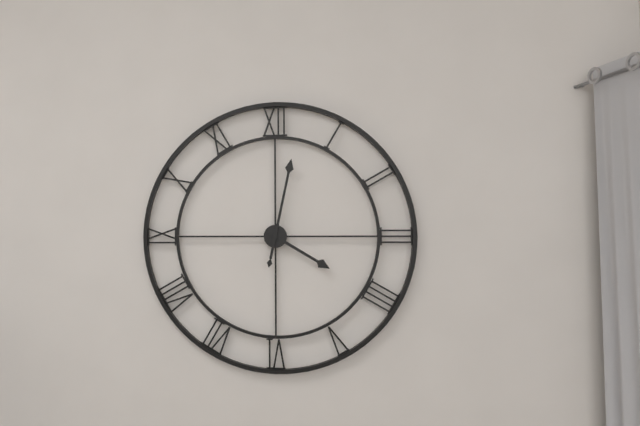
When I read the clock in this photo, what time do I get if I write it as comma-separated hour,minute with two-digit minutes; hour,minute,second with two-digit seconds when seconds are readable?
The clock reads 4,02
